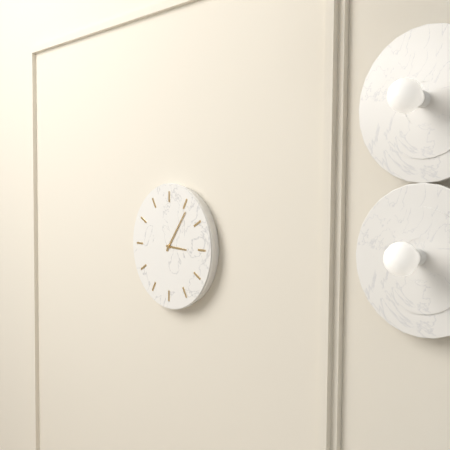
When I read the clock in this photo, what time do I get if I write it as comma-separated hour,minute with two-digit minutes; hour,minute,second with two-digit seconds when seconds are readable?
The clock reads 3,06
